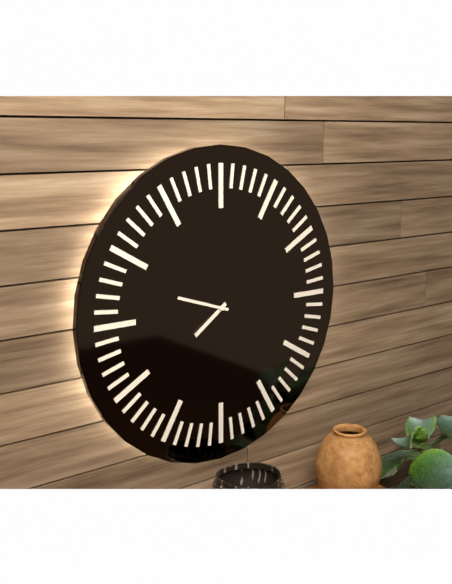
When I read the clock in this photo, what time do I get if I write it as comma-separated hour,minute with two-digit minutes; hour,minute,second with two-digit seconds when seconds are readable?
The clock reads 7,48
